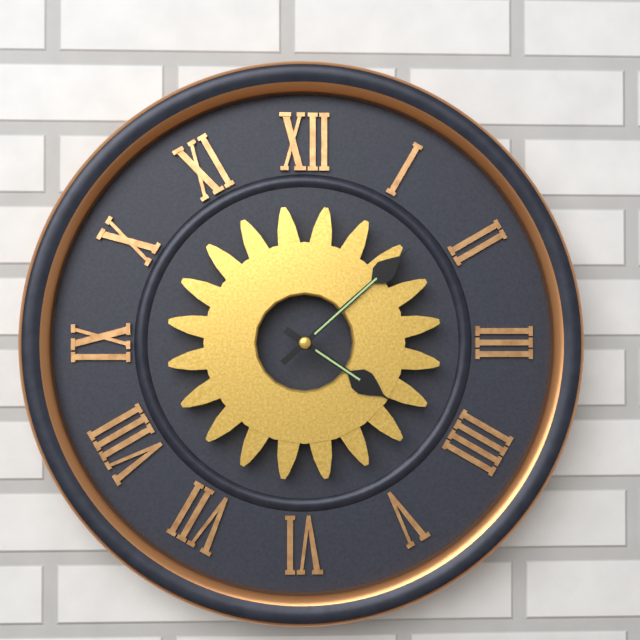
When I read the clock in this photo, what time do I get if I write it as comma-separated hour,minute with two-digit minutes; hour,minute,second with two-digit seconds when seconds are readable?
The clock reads 4,08
